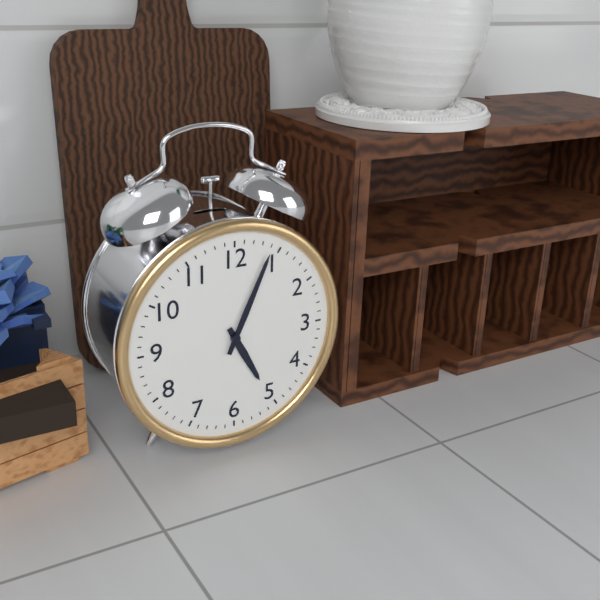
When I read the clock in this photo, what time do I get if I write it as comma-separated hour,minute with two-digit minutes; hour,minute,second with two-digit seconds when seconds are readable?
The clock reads 5,04
